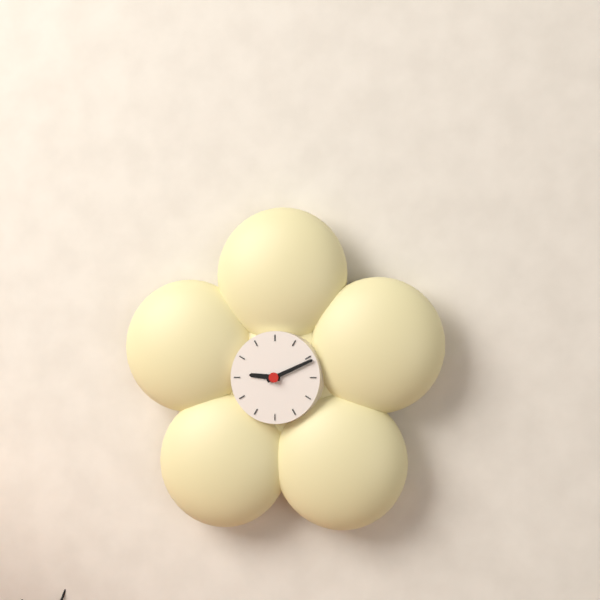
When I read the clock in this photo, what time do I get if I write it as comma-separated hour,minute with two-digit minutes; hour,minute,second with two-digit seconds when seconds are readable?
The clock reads 9,11
